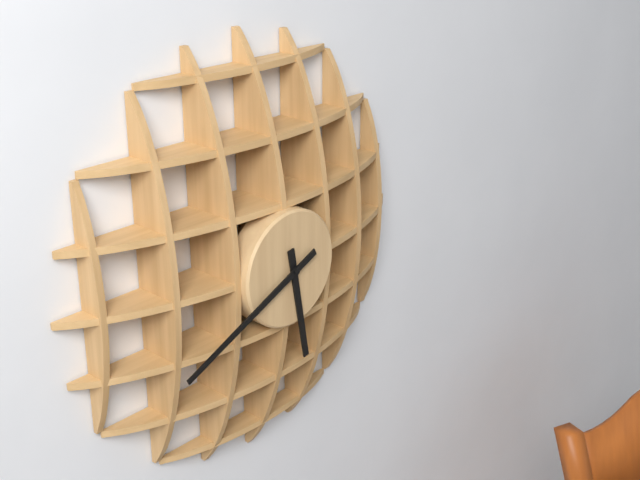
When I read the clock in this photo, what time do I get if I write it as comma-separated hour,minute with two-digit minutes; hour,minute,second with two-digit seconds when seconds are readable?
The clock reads 5,41
